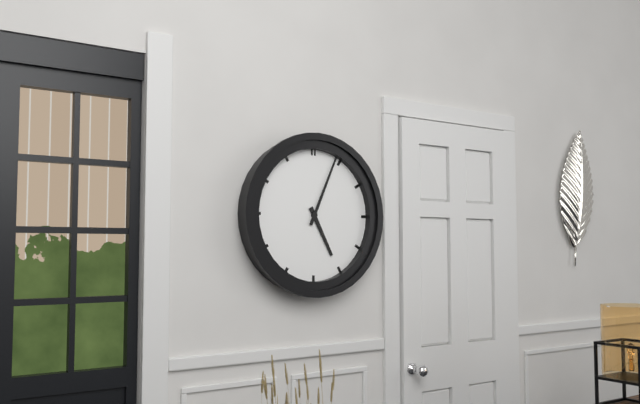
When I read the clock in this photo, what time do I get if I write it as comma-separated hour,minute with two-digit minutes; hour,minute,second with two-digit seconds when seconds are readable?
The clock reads 5,04
